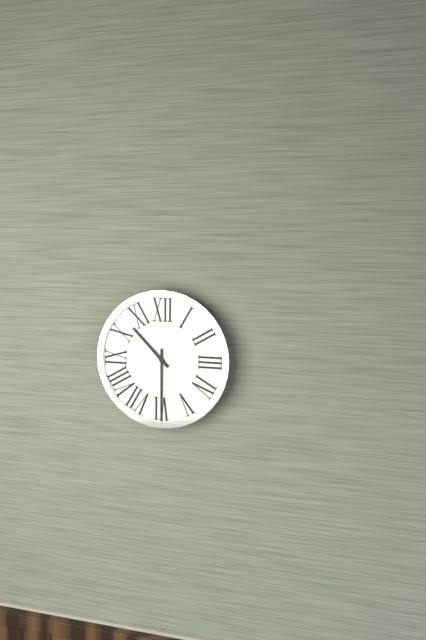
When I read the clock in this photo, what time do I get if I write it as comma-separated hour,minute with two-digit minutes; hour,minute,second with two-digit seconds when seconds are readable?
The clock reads 10,30
